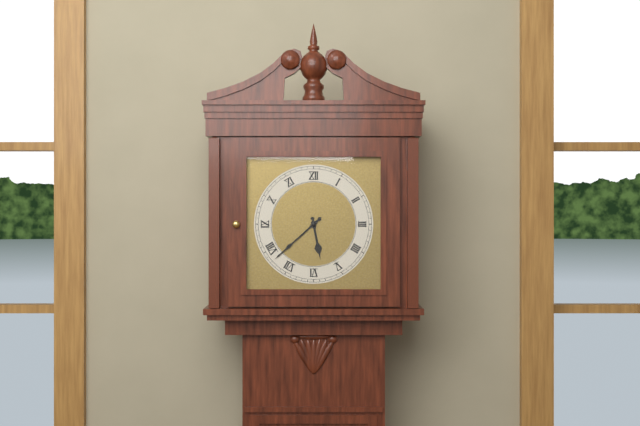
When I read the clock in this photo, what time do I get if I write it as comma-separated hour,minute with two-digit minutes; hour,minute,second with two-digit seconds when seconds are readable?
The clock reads 5,38
